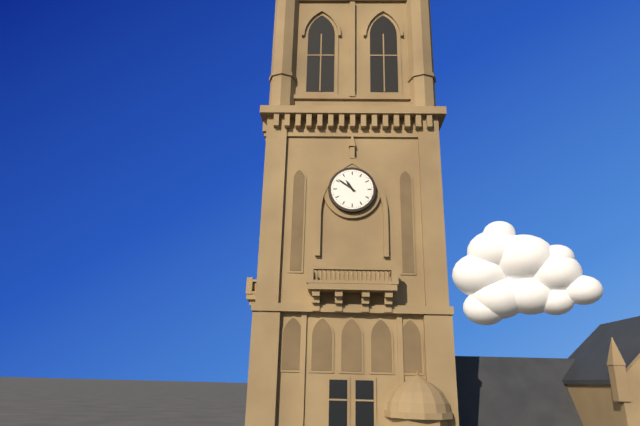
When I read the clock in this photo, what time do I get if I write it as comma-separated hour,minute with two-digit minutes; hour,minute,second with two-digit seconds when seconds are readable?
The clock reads 10,51
